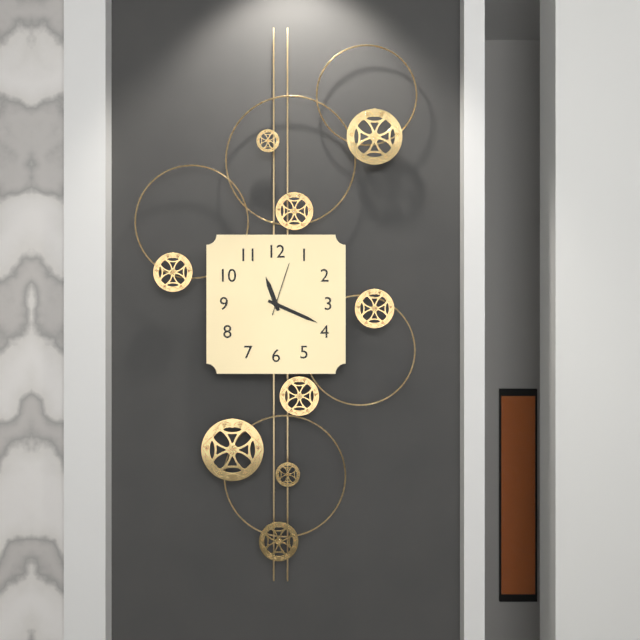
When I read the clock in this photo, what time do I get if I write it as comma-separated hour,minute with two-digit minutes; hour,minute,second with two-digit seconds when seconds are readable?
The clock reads 11,19,03
